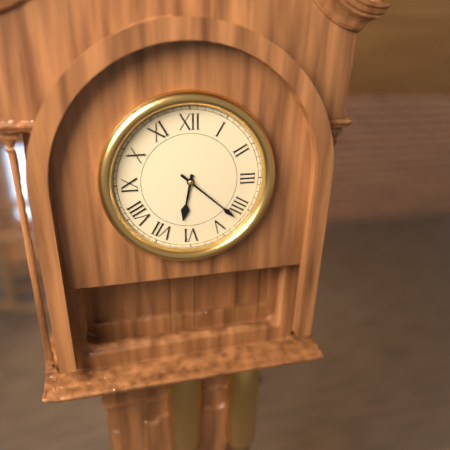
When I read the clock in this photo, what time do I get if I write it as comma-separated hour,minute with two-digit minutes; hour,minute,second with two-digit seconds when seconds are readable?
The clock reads 6,22
